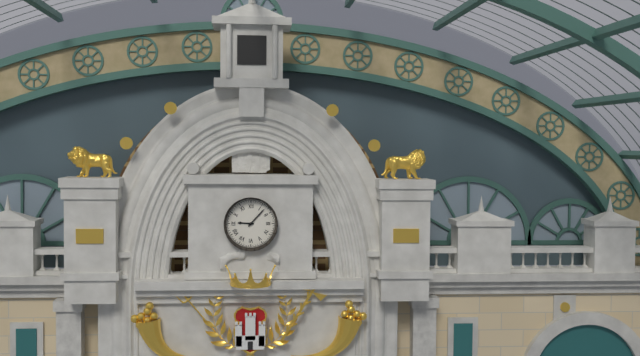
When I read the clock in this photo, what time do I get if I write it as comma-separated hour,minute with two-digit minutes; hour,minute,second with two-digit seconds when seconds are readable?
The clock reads 9,07
